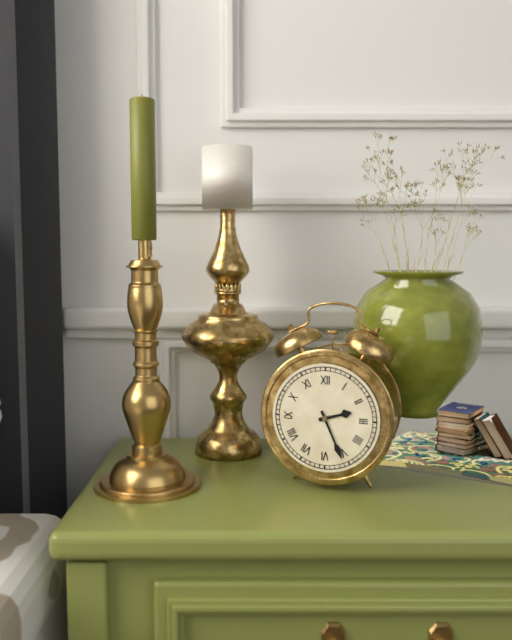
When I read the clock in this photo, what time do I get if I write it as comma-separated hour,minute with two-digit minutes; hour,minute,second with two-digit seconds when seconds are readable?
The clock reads 2,26
